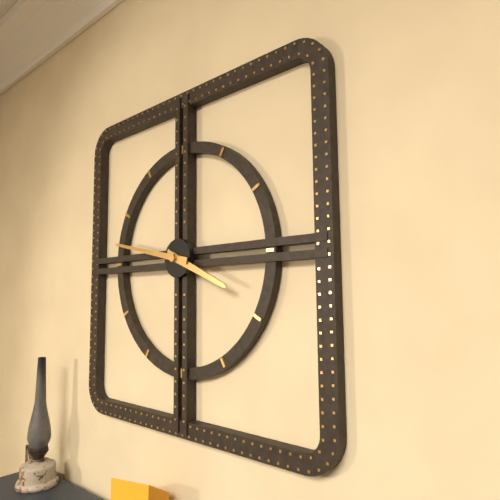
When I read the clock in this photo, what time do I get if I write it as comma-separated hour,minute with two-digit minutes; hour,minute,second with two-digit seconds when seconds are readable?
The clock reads 3,47
